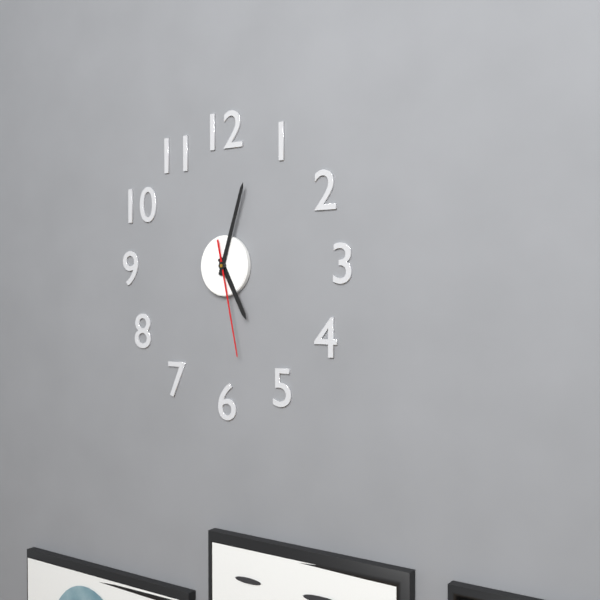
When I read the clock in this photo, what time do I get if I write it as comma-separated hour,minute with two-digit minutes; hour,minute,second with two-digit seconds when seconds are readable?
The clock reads 5,03,28
